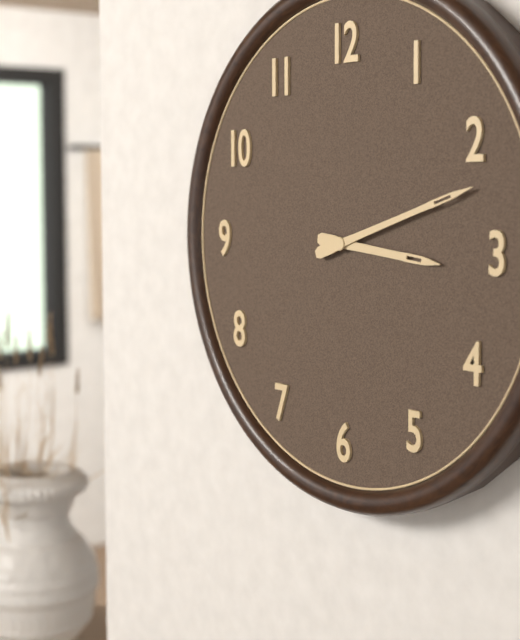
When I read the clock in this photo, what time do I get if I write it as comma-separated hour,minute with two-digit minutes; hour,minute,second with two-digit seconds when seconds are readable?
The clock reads 3,12
